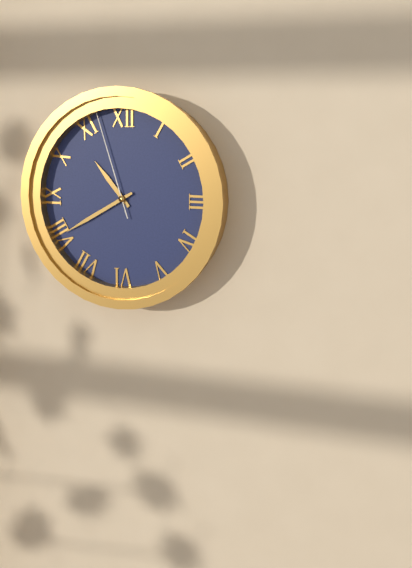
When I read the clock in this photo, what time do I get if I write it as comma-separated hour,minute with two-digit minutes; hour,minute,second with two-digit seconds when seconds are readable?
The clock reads 10,40,57
